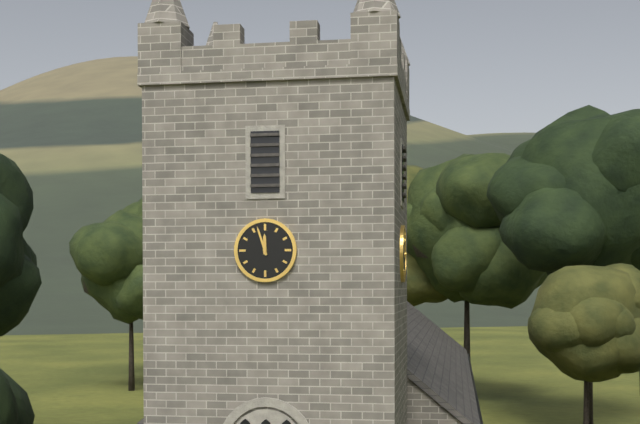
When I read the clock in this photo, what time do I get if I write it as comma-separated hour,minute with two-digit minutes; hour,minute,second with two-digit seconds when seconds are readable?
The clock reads 11,57
